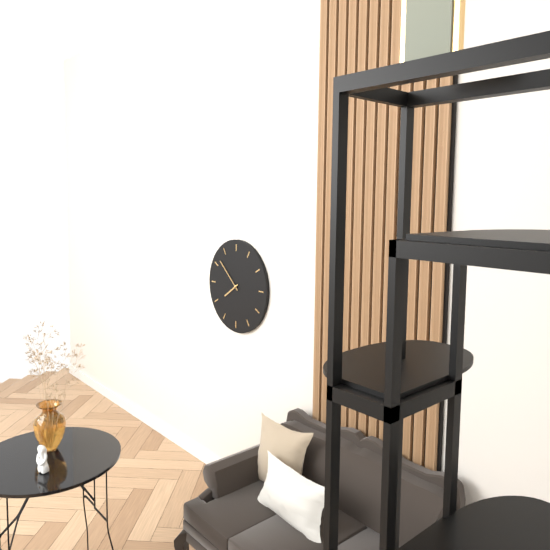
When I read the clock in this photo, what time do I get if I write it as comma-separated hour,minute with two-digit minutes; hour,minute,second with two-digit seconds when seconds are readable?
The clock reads 7,52
